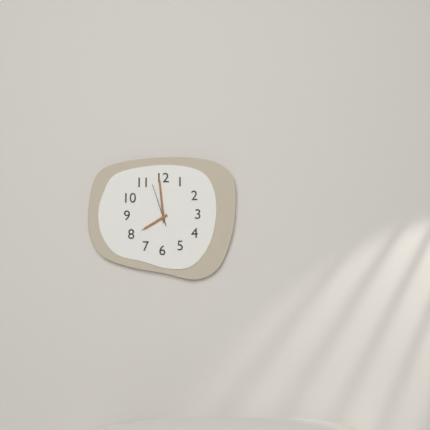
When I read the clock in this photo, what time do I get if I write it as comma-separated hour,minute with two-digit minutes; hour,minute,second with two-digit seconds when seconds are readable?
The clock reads 7,59
